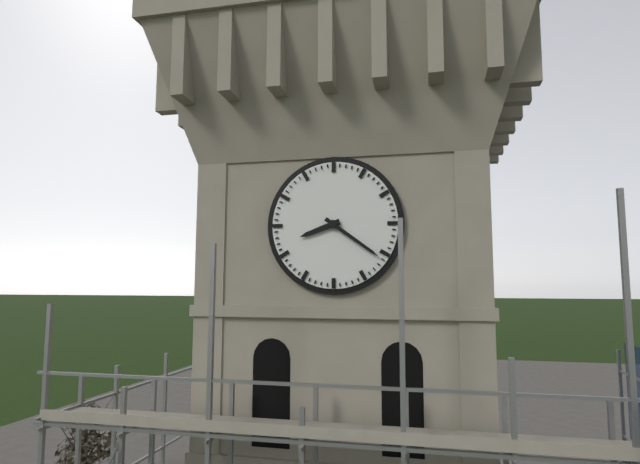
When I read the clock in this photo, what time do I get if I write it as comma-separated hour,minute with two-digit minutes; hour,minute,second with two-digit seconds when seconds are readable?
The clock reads 8,21
